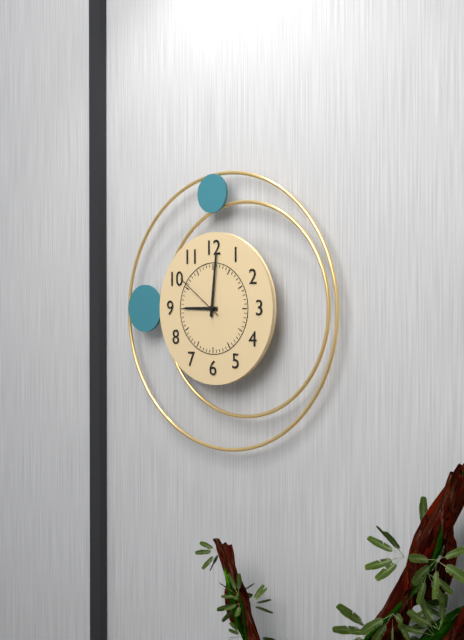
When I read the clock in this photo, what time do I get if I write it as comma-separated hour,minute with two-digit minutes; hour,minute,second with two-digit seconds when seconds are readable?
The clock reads 9,01,51
